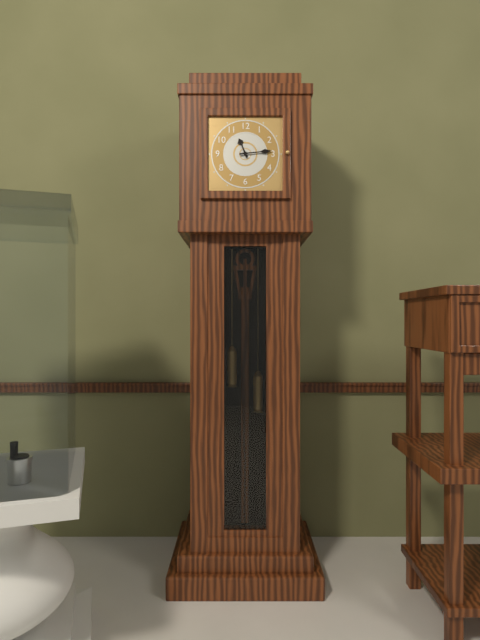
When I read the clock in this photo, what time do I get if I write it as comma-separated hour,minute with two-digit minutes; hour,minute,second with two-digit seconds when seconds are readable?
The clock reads 11,14
